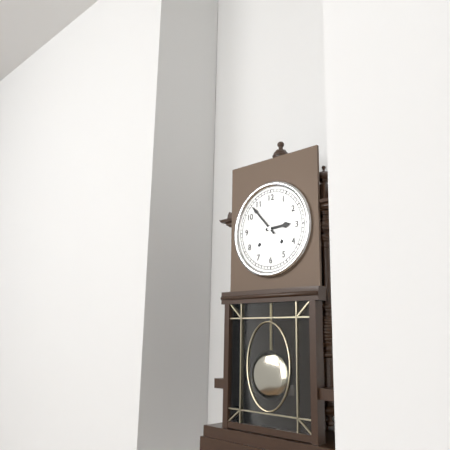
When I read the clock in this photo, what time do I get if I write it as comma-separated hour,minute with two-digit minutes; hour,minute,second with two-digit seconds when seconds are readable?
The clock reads 2,53
